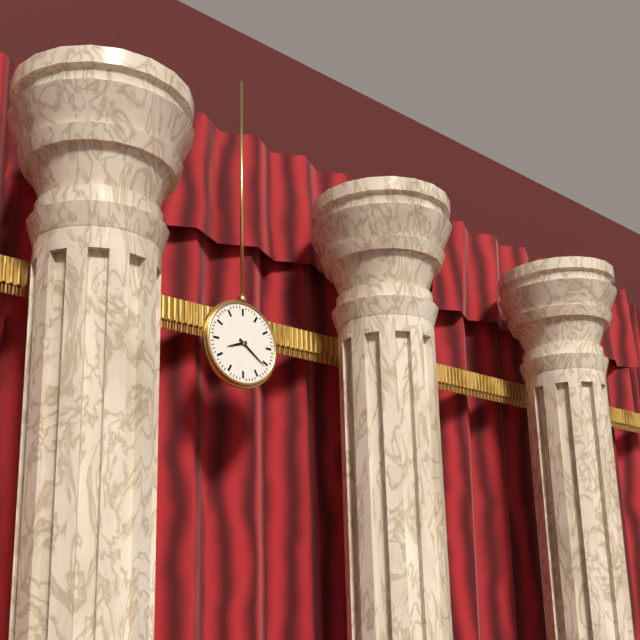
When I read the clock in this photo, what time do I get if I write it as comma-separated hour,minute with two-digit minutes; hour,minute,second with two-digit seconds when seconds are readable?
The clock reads 8,21
